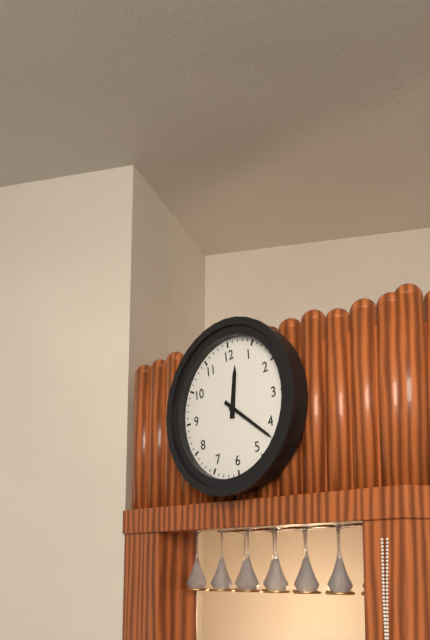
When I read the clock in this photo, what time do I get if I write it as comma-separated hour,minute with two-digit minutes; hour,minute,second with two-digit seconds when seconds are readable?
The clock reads 12,22
